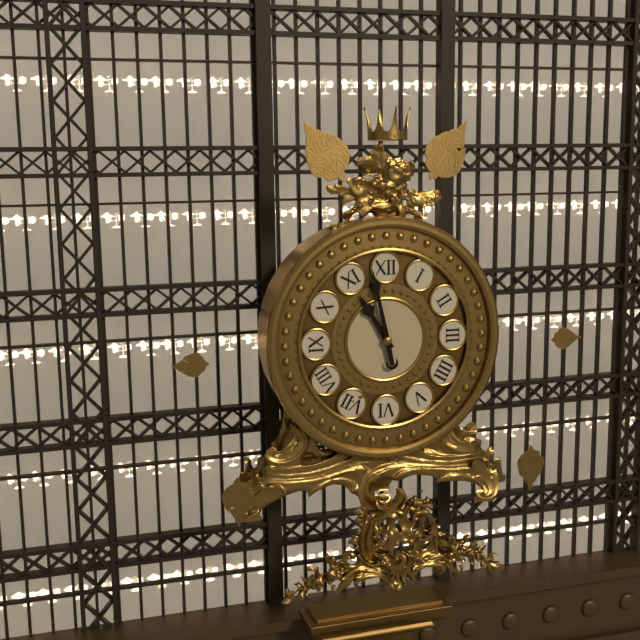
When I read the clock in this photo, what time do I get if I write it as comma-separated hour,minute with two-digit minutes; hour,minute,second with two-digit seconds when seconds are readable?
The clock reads 10,58
